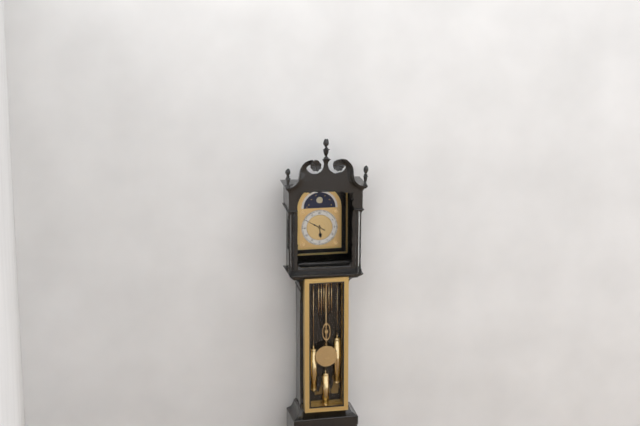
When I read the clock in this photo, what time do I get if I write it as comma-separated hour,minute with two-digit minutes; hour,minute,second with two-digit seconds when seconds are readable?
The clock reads 5,50
